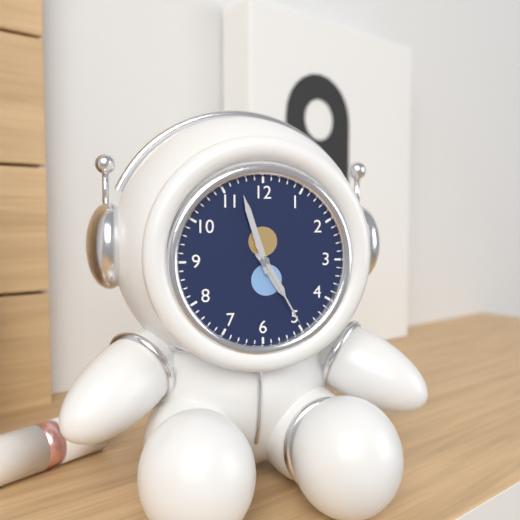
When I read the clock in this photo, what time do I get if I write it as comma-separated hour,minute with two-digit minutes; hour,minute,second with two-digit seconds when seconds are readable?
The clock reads 4,57,25
